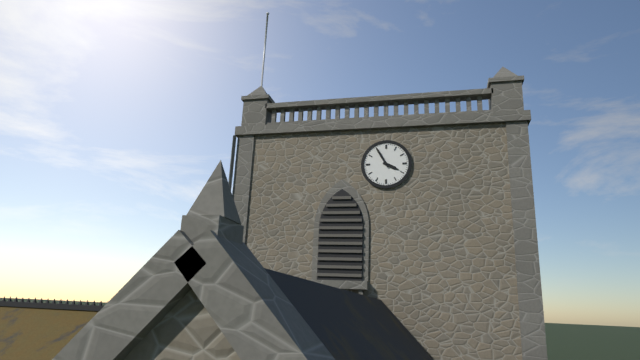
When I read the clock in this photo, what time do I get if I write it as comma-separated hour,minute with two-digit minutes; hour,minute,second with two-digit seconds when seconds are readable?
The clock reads 3,55
